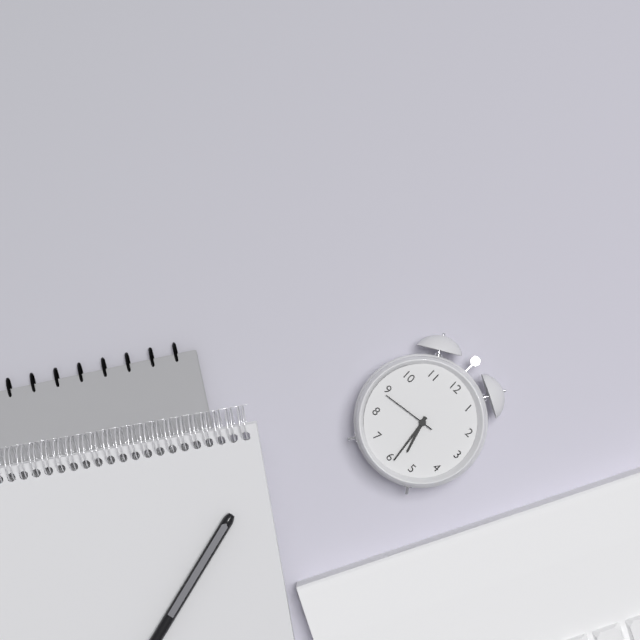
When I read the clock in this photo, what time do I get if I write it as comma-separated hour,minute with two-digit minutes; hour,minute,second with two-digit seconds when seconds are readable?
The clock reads 5,29,44
